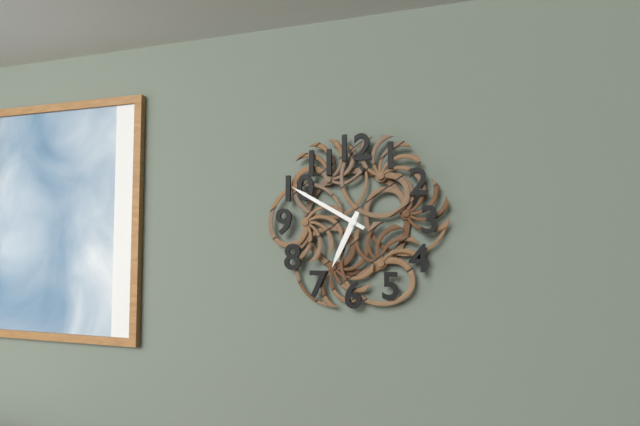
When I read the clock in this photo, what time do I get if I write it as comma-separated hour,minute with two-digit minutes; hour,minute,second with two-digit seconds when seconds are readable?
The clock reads 6,50
